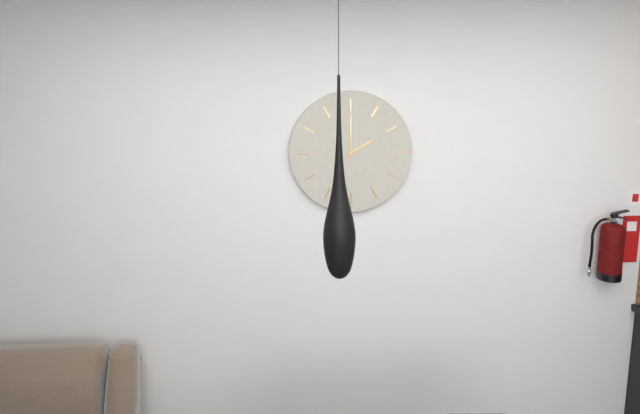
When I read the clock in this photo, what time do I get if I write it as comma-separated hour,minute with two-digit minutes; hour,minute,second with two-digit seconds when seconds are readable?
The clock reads 2,00
